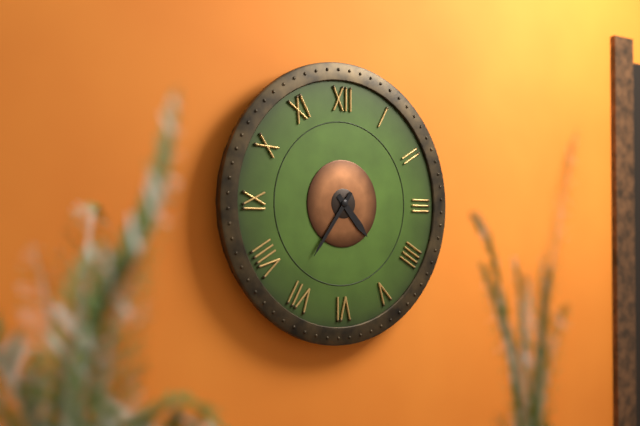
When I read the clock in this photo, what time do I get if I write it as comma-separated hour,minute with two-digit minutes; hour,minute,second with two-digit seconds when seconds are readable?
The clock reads 4,36
